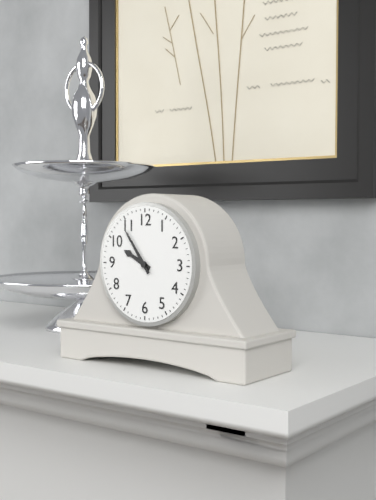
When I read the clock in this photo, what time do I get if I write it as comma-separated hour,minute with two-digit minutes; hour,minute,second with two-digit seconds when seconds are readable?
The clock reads 9,54
